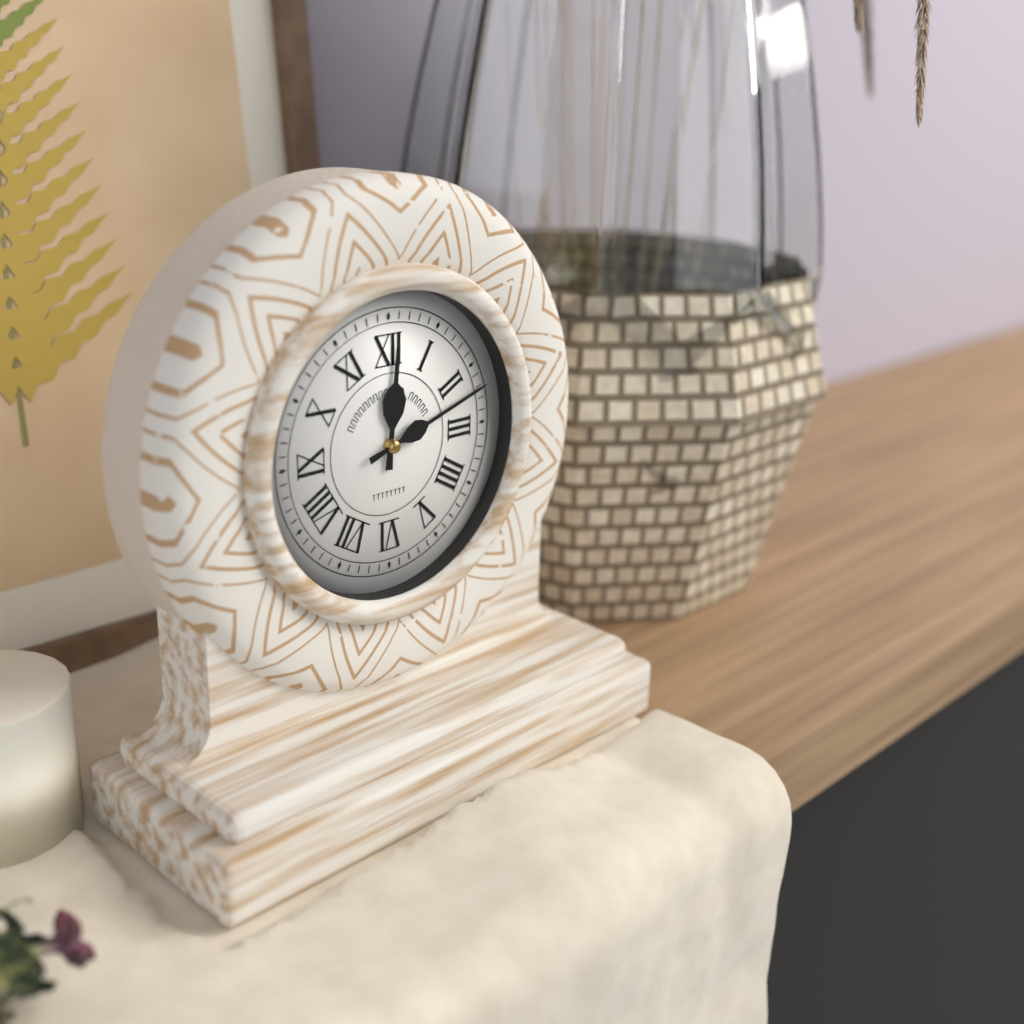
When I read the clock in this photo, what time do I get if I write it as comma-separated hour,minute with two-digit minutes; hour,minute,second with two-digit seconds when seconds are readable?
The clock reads 12,12
